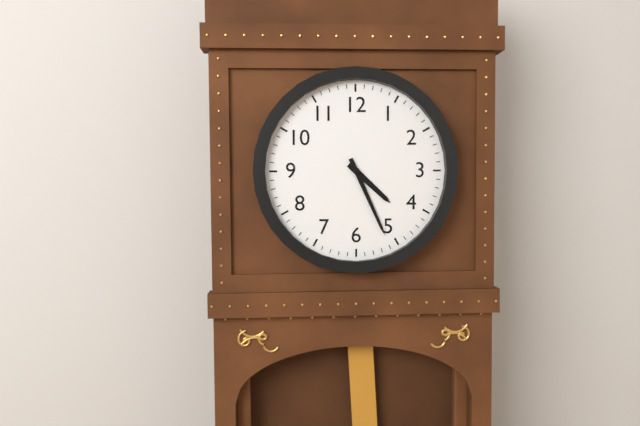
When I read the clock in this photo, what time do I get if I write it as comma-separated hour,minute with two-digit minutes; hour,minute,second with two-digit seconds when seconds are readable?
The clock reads 4,26
